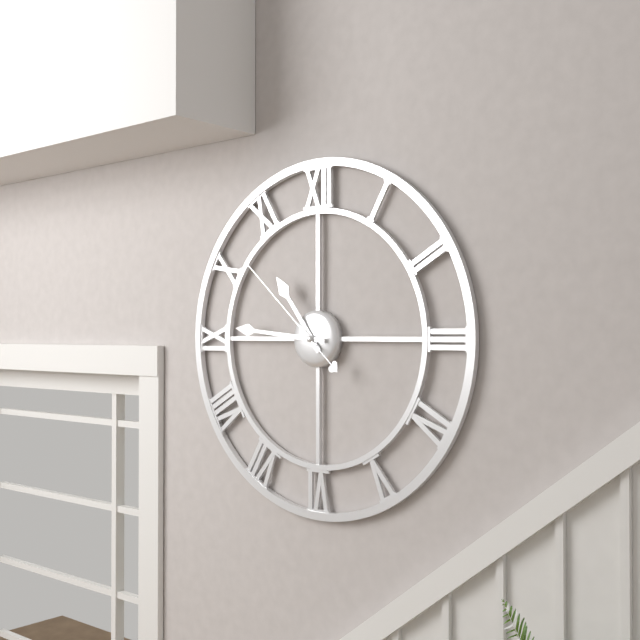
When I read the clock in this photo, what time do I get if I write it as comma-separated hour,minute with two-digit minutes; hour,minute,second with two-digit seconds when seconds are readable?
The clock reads 10,46,52
